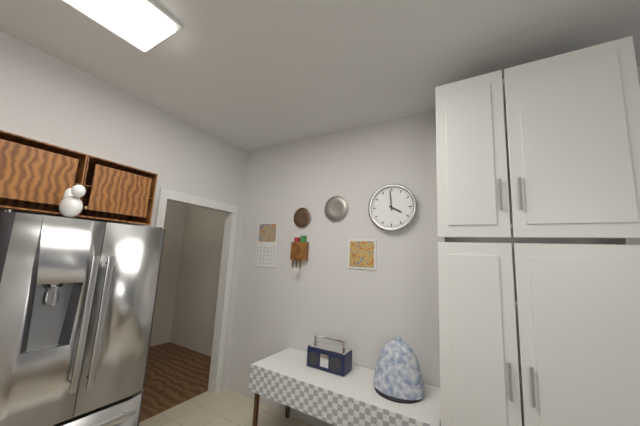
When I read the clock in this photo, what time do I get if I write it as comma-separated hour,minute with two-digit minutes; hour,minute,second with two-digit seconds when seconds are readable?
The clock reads 3,59
